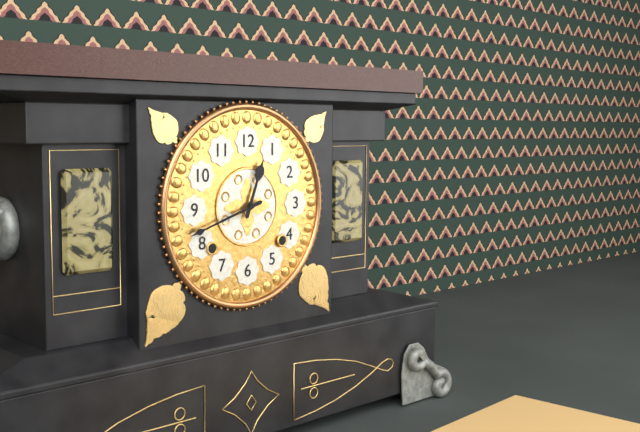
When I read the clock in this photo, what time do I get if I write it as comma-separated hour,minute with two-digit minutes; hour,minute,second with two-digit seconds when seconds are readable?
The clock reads 12,42
